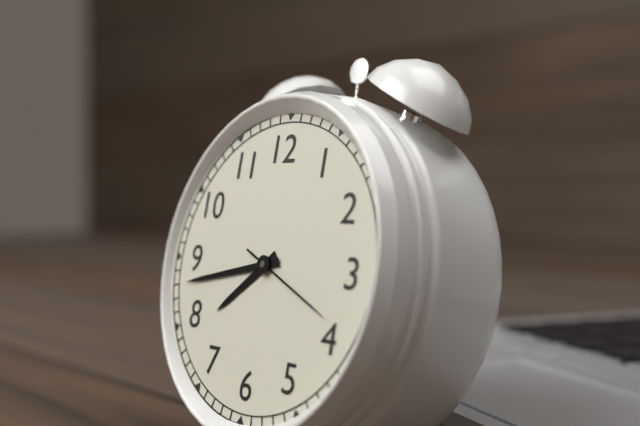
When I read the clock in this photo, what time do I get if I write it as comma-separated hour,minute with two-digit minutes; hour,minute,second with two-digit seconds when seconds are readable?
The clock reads 7,43,19
